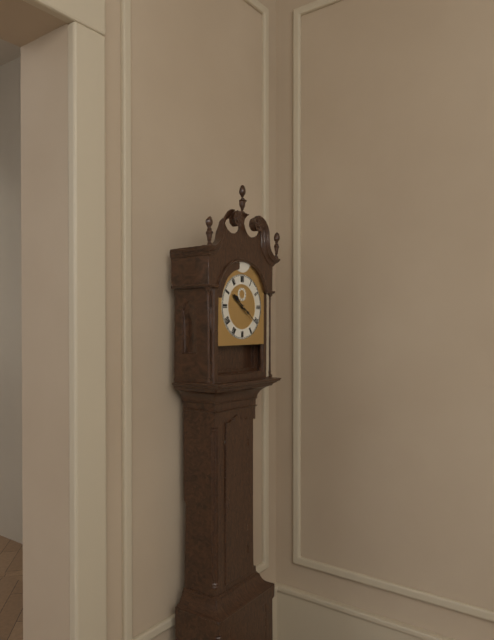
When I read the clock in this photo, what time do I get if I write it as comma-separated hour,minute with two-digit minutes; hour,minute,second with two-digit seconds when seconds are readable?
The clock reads 10,21
